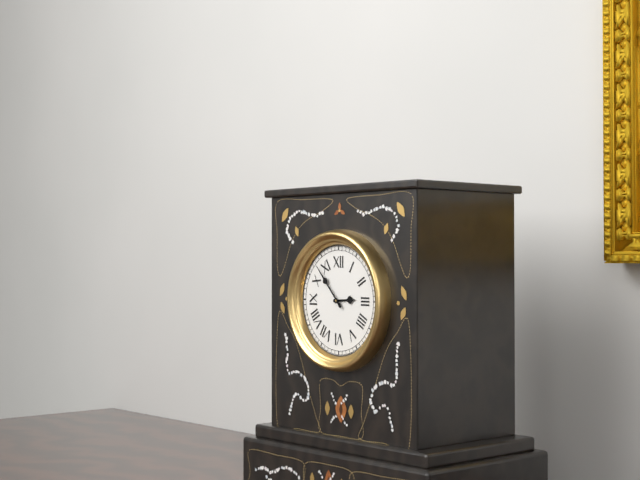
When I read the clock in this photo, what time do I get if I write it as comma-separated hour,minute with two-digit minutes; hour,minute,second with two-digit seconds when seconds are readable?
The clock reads 2,53
